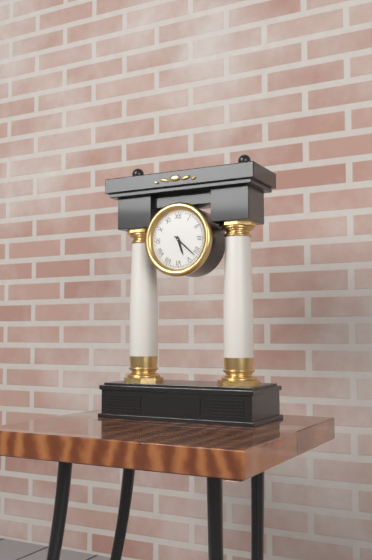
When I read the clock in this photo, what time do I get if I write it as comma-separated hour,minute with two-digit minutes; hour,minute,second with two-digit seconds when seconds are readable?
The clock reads 5,22
